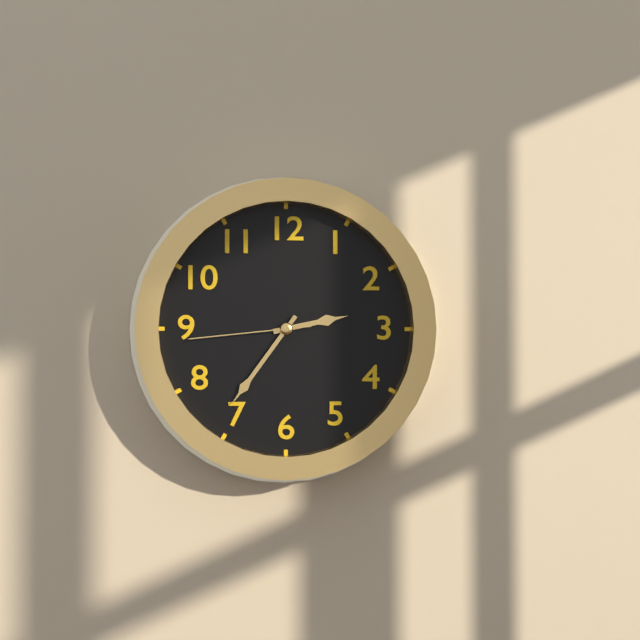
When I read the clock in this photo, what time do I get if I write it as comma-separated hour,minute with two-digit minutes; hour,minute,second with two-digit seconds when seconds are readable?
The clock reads 2,36,44
